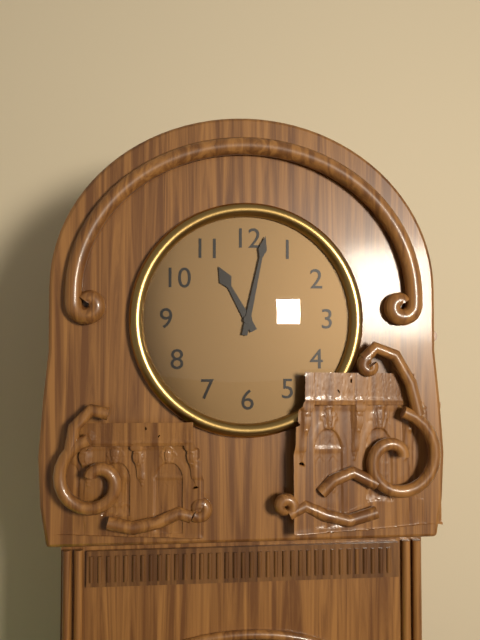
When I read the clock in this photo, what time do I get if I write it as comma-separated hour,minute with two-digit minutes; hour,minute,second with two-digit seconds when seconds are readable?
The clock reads 11,02
